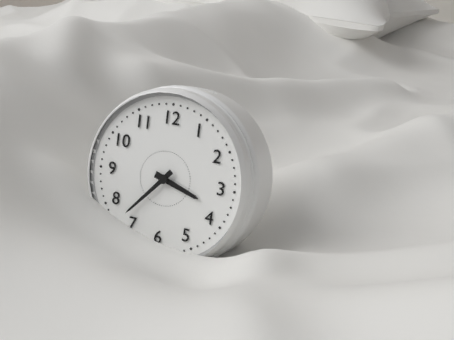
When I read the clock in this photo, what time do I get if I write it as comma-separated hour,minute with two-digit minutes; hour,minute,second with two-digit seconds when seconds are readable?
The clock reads 3,37
